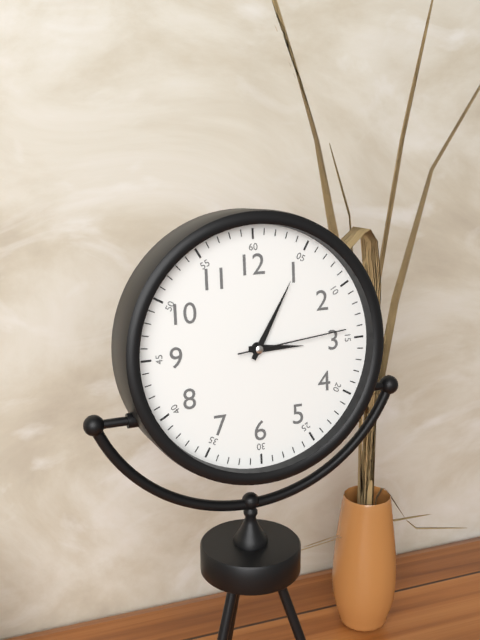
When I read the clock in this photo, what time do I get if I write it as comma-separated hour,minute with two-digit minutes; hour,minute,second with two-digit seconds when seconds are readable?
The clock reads 3,05,14
